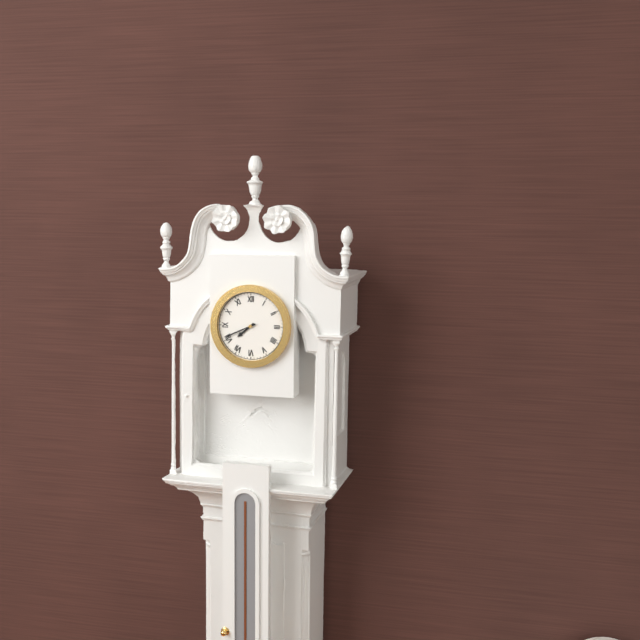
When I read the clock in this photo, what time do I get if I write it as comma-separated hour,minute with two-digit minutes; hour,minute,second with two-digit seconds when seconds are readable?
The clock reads 7,41
